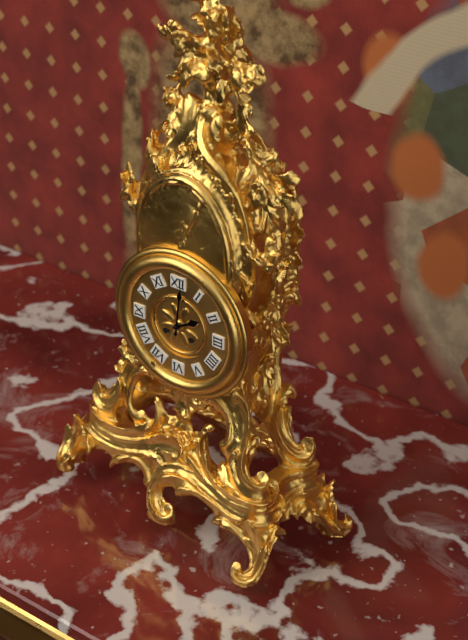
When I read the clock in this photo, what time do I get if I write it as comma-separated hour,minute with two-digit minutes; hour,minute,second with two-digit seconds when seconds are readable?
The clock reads 2,01
